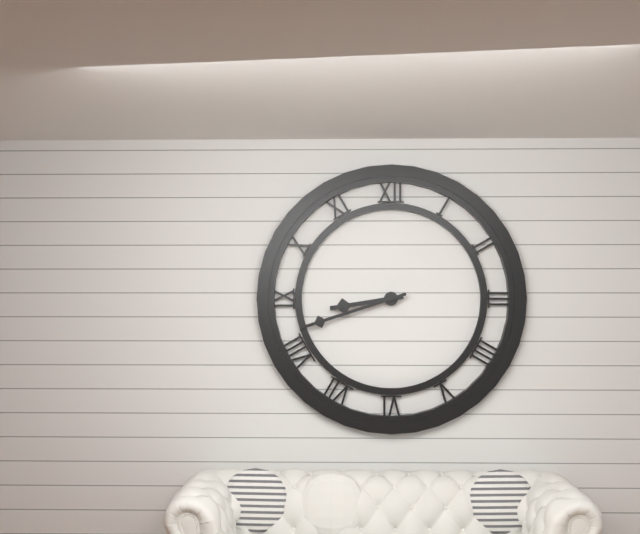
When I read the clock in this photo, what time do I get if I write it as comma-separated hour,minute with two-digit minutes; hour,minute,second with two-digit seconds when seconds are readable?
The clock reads 8,42
